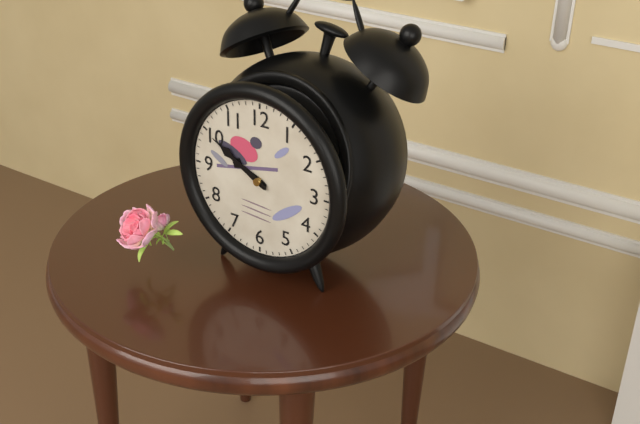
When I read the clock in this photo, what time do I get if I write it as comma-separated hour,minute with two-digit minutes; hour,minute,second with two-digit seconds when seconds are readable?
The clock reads 9,50
